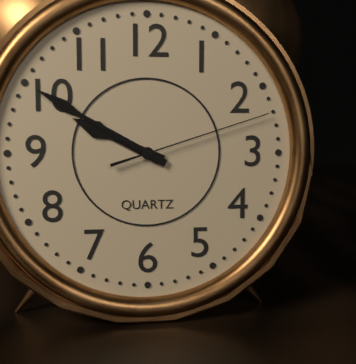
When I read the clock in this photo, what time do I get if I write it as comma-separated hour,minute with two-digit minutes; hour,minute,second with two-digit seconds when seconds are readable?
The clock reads 9,50,12
